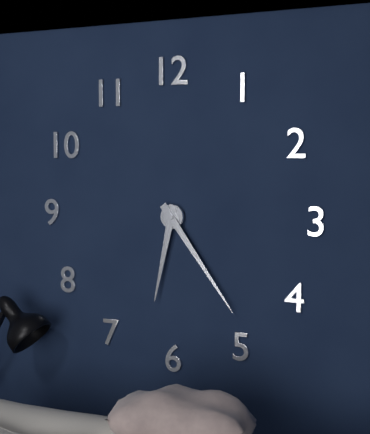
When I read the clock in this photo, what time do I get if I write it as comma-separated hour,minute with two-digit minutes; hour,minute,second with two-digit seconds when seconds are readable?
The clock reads 6,24
